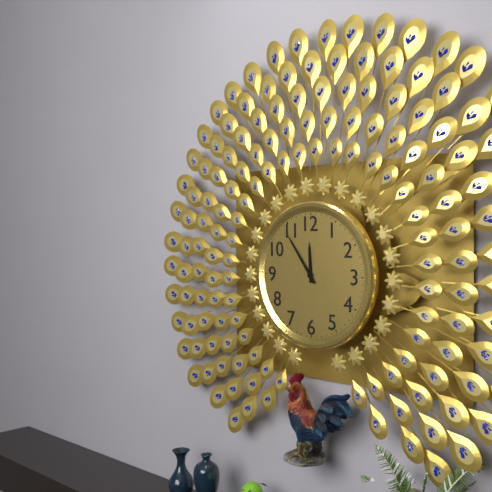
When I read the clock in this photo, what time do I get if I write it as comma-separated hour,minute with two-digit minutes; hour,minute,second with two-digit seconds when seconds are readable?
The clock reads 11,54
